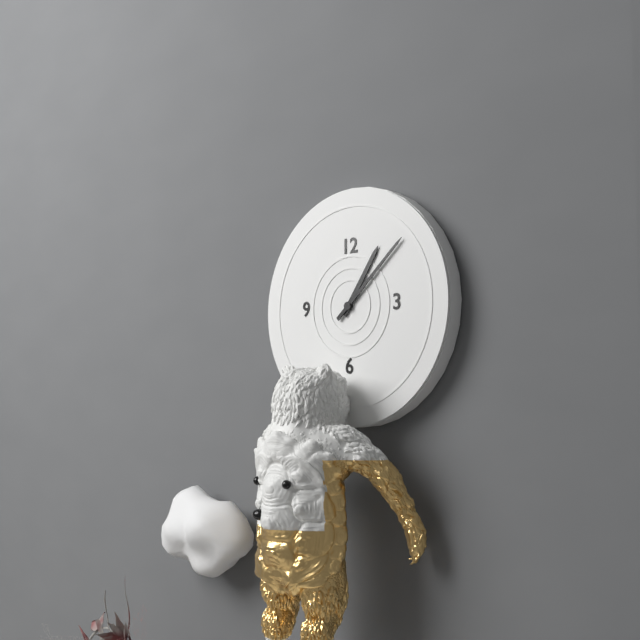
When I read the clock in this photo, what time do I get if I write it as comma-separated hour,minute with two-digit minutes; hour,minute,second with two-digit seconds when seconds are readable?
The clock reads 1,08
